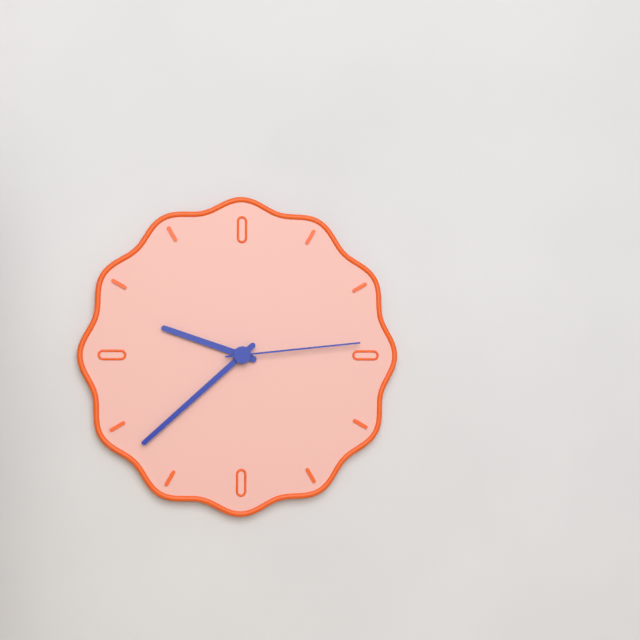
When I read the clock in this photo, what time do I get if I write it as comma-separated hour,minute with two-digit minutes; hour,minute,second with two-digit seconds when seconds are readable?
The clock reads 9,38,14
